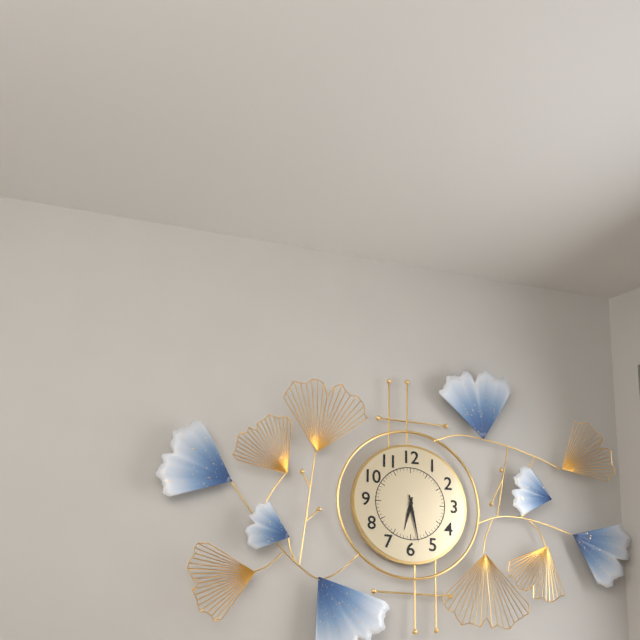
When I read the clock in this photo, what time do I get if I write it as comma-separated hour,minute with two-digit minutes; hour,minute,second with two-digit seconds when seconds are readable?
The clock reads 6,28
